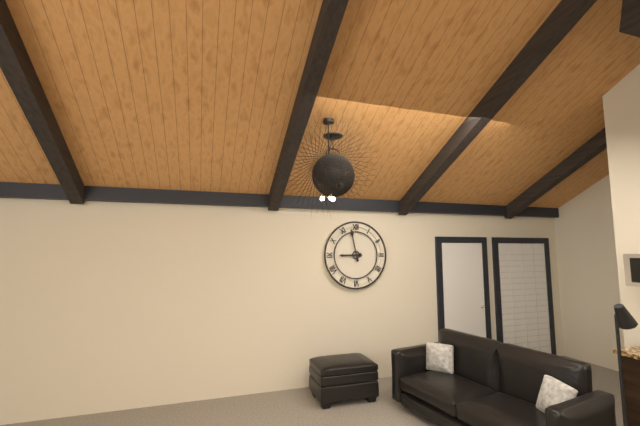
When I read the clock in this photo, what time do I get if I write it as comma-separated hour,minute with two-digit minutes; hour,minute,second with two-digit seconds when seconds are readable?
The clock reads 8,58
